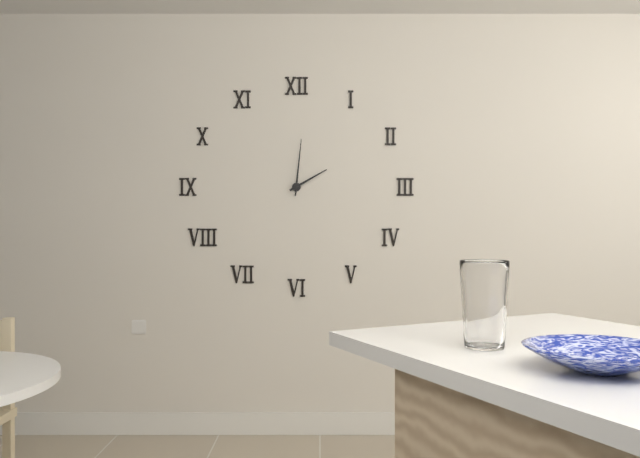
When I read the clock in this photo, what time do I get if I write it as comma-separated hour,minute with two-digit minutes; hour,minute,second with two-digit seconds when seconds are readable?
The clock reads 2,01
